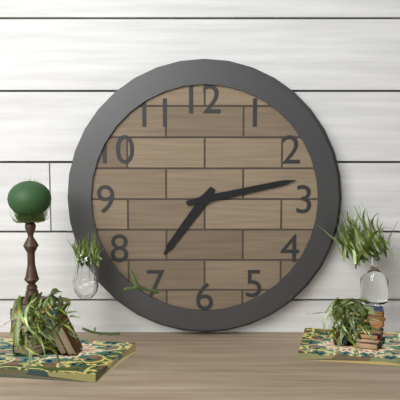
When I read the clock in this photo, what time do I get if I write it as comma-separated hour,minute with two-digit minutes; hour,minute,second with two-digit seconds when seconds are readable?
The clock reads 7,13
